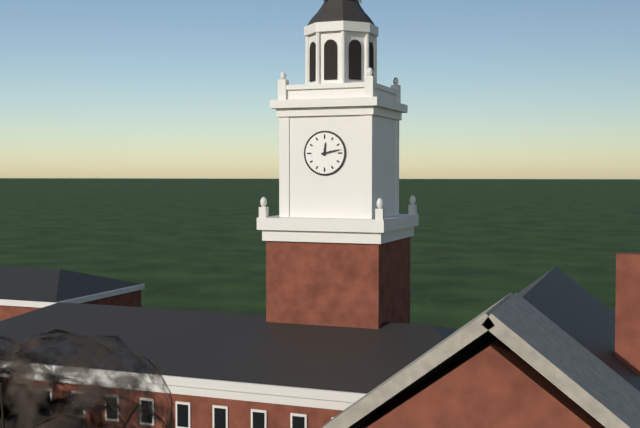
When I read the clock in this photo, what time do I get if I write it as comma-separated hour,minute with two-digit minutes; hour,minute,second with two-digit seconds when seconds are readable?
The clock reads 12,13
